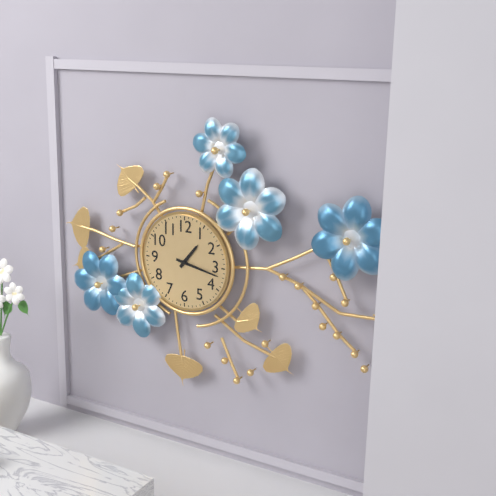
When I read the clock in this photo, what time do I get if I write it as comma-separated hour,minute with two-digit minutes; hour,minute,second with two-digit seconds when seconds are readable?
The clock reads 1,17
